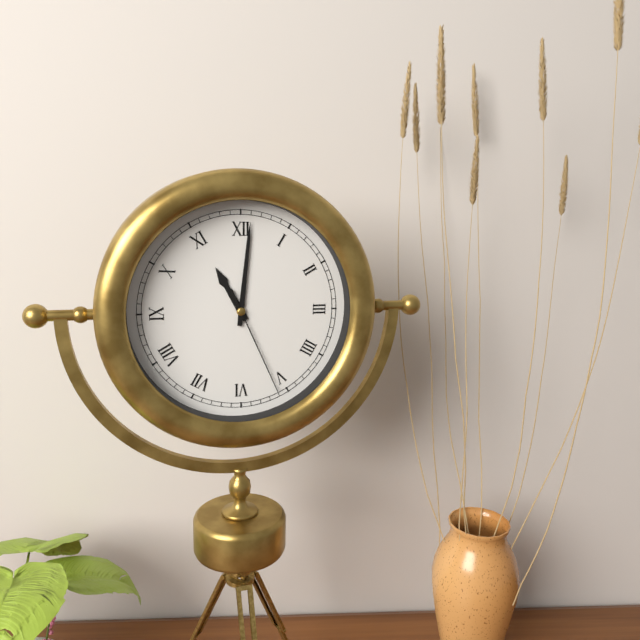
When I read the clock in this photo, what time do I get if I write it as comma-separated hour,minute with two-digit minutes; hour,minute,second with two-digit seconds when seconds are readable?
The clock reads 11,01,26
